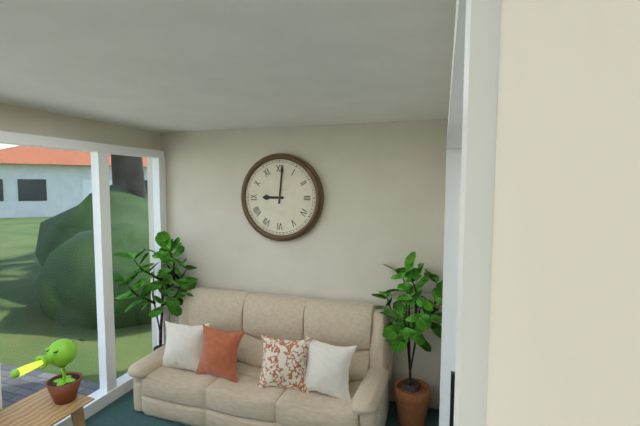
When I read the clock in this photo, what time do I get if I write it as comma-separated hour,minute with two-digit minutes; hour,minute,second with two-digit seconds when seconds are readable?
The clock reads 9,01
